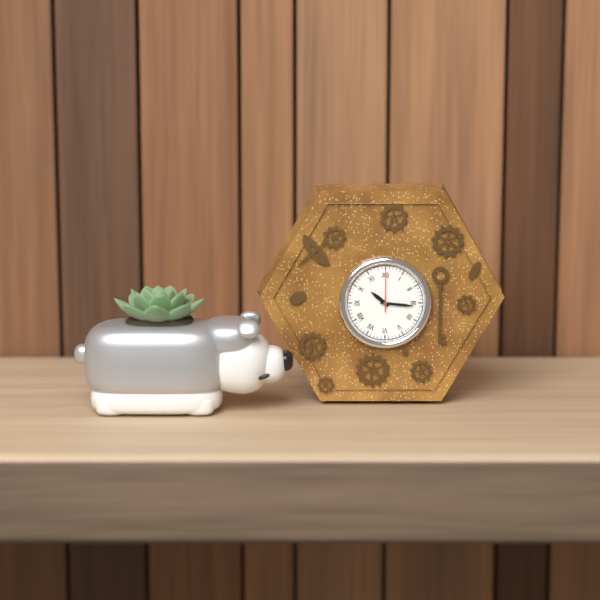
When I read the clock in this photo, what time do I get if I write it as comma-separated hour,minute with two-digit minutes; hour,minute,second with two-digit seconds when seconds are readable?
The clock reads 10,16
